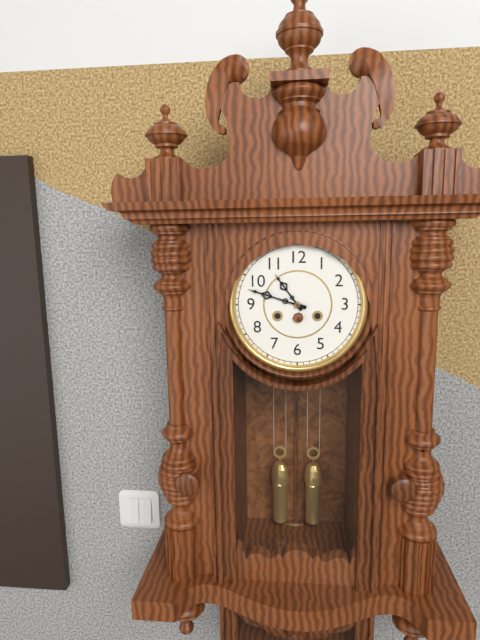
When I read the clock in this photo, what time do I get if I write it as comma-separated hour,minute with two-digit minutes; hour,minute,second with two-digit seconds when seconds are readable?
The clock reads 10,48
